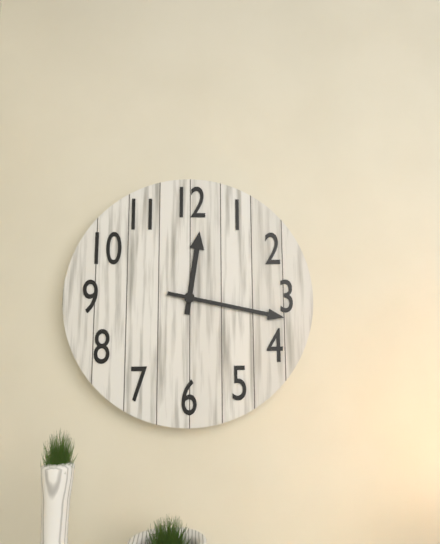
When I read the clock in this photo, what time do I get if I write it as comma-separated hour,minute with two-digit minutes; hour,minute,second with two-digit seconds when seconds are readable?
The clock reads 12,17
